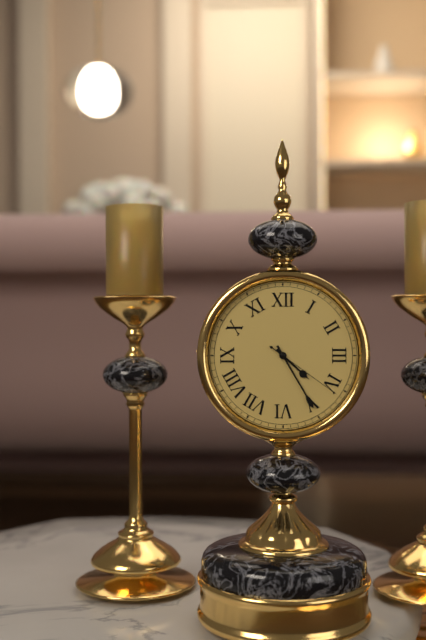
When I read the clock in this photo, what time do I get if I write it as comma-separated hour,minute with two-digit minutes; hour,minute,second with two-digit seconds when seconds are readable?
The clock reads 4,25,21
